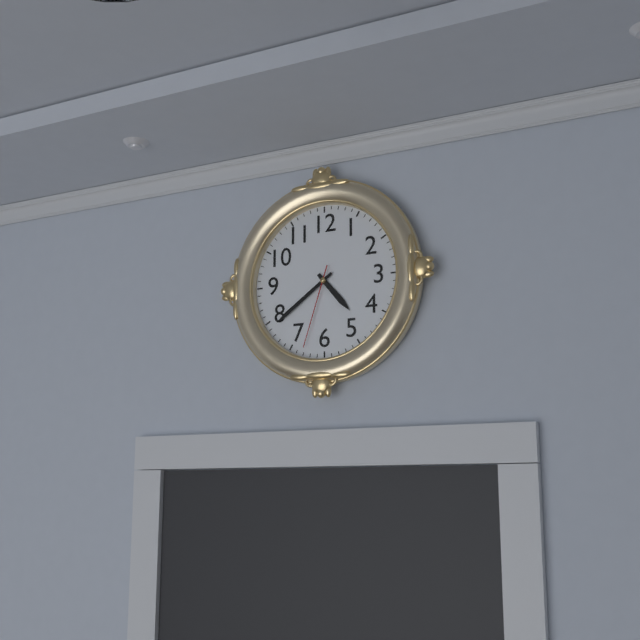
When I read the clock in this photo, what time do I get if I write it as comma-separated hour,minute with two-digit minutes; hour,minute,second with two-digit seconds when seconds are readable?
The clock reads 4,39,33
